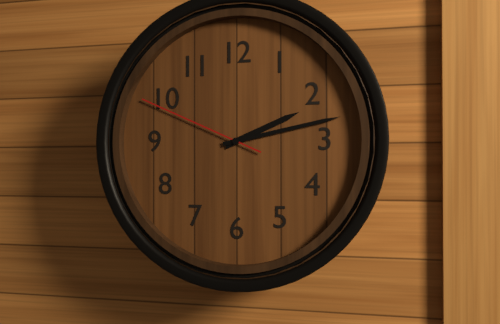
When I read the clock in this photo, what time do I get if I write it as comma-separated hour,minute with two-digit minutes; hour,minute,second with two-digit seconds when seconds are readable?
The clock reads 2,13,49
